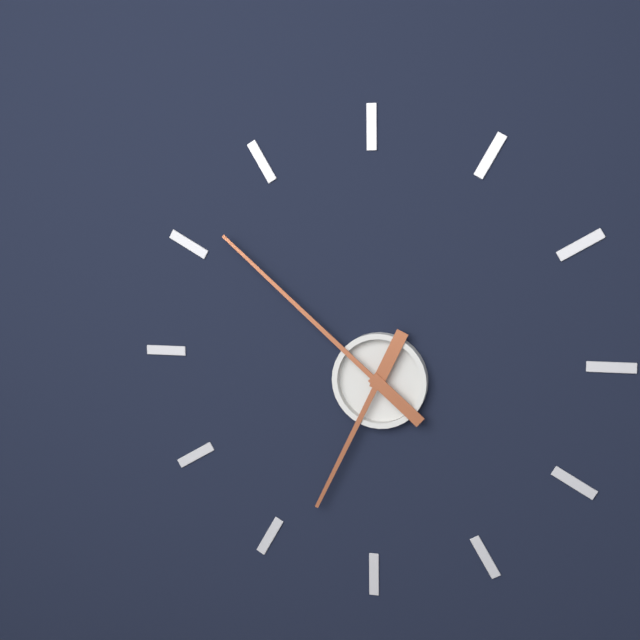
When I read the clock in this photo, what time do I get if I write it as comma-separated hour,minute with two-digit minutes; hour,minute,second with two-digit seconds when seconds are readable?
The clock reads 6,52
